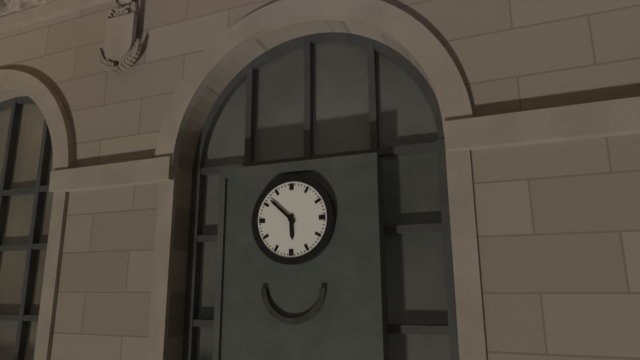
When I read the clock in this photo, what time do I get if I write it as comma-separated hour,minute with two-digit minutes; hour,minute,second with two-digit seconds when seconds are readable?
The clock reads 5,52
